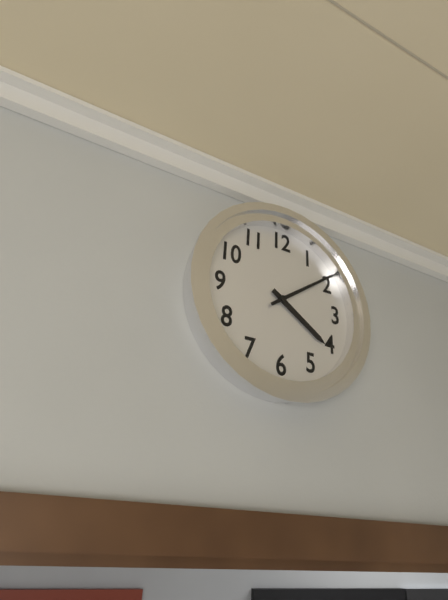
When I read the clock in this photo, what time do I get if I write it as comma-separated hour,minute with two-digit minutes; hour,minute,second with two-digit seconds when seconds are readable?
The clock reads 4,09
